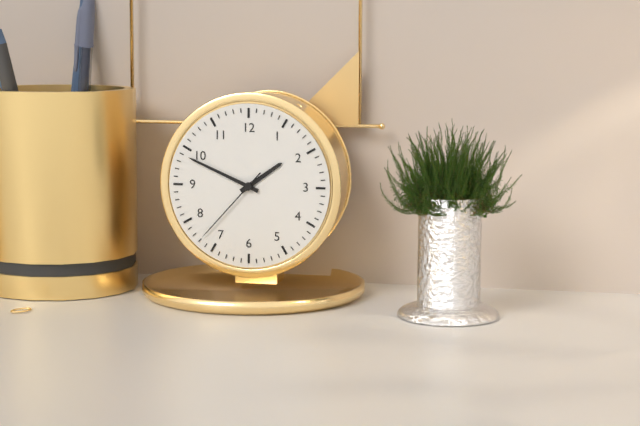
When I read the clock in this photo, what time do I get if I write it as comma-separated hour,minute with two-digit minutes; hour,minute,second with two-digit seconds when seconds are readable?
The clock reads 1,49,37
